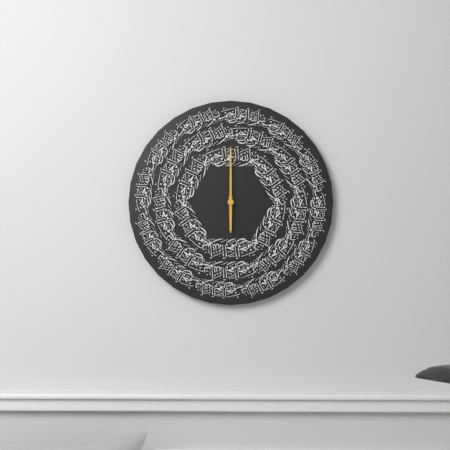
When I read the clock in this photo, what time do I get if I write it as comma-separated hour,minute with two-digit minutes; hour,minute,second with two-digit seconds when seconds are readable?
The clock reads 6,00
